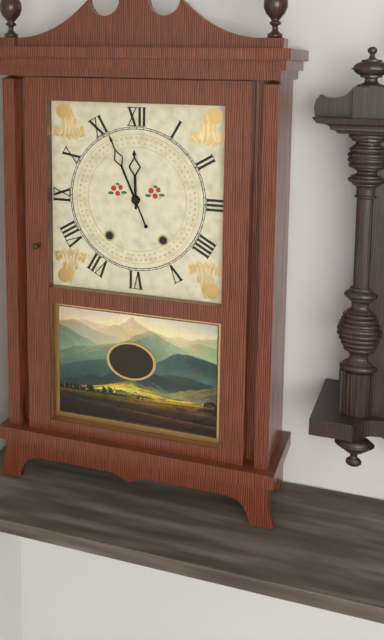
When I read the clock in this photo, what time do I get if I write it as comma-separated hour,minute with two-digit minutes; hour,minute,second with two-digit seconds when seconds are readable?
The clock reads 11,56
